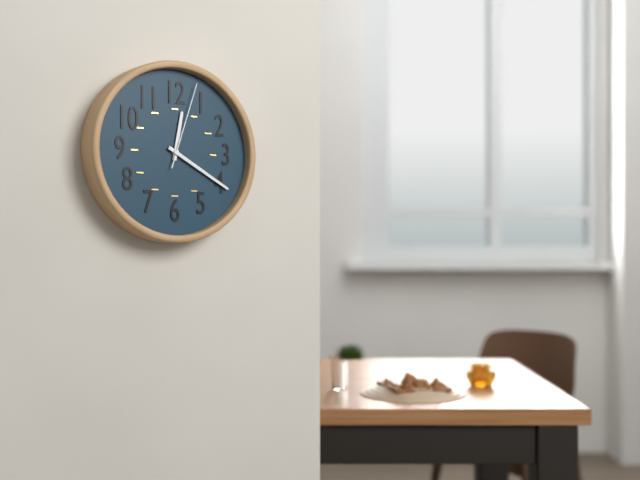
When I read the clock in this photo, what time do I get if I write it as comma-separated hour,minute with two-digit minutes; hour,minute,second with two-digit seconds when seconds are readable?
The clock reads 12,20,03
